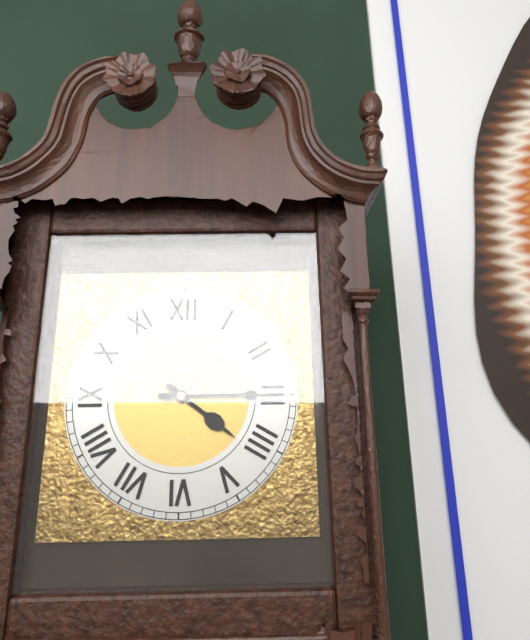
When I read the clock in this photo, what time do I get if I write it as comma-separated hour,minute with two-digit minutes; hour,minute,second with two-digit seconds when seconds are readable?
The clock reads 4,15
